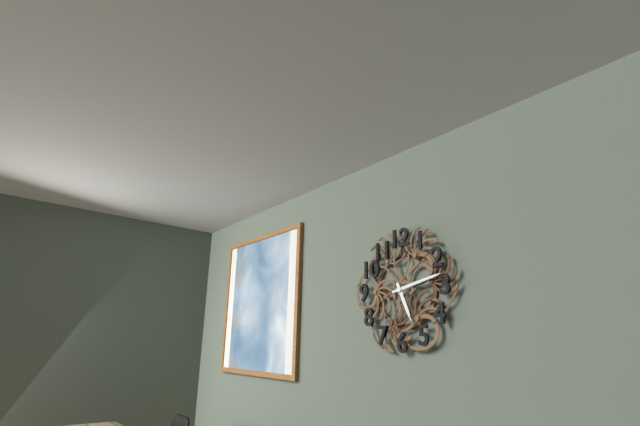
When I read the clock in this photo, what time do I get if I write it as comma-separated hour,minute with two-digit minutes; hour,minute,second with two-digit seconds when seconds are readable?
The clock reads 5,13
